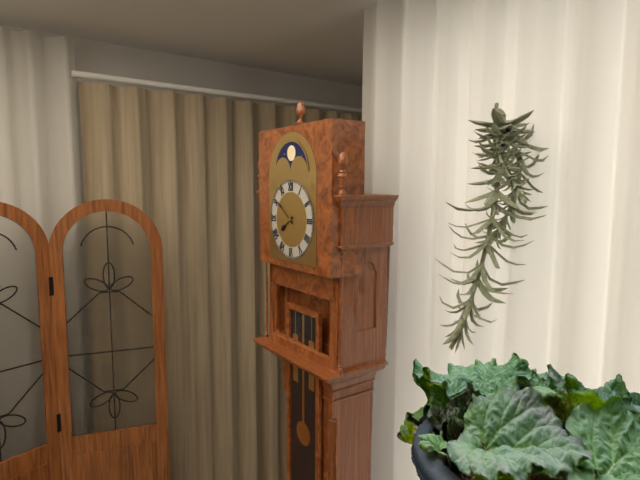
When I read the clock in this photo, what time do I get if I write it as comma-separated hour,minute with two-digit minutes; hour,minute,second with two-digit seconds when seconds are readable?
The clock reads 7,51
